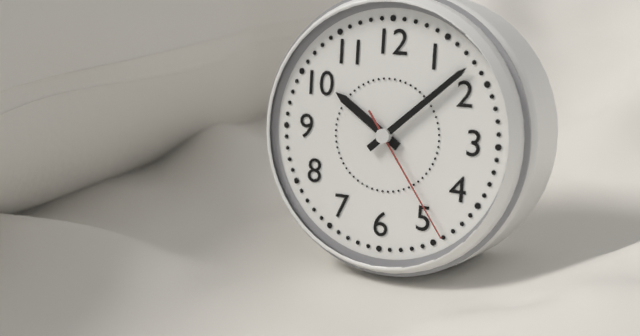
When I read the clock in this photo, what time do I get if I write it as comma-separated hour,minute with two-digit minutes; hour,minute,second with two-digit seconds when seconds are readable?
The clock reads 10,08,24
